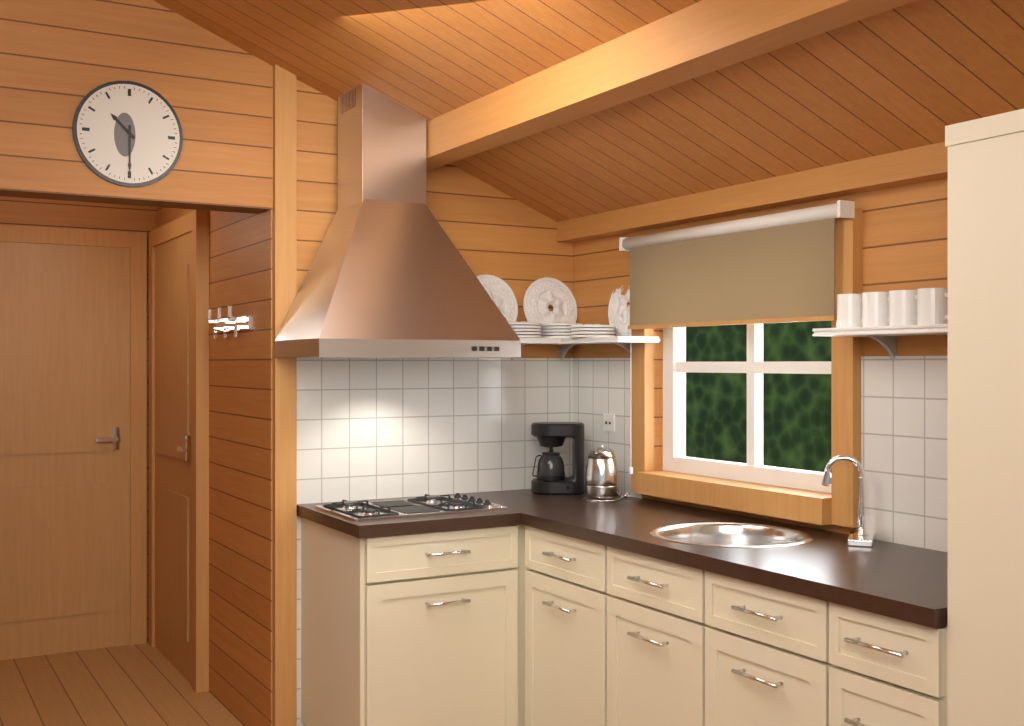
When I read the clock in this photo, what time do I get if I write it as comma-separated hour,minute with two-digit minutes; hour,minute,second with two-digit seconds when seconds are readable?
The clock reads 10,30
